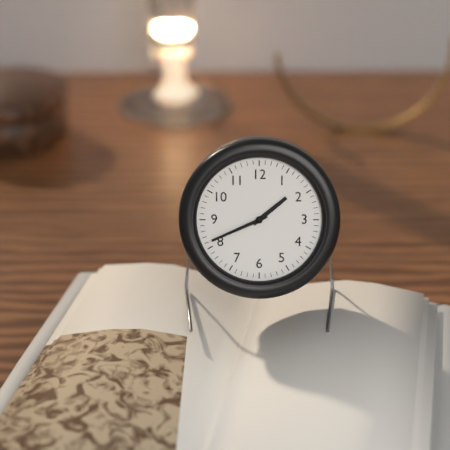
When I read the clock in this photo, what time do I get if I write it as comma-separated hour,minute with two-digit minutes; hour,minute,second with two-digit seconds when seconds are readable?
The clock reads 1,41
